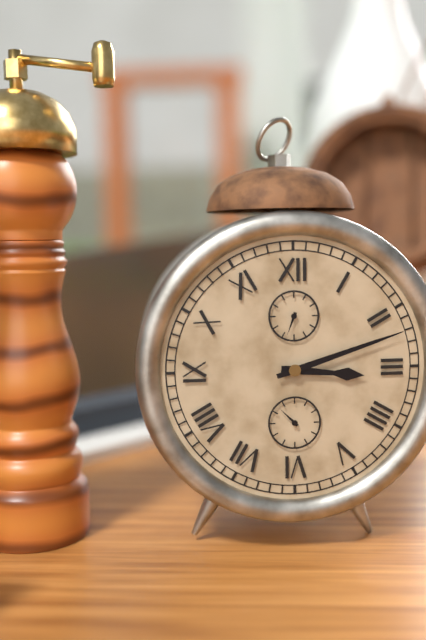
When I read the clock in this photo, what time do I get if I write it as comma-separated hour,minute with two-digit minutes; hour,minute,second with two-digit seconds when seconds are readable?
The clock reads 3,12
